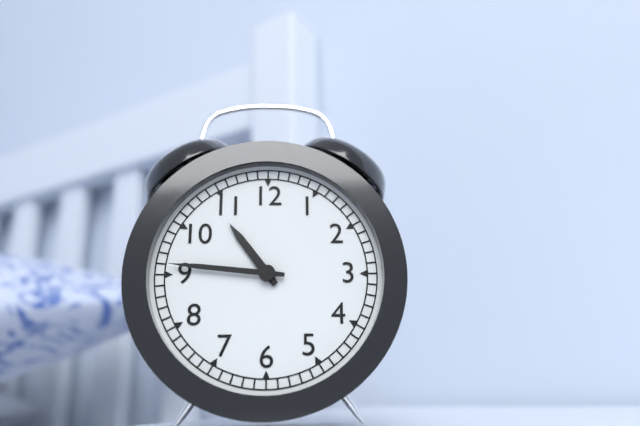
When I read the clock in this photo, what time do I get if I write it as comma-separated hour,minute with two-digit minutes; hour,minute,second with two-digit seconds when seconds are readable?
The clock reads 10,46
